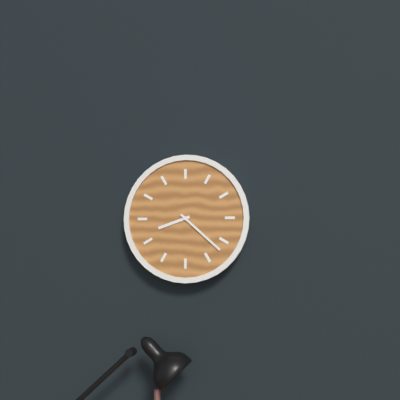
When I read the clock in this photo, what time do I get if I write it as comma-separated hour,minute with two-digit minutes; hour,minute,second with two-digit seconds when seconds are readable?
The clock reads 8,22
